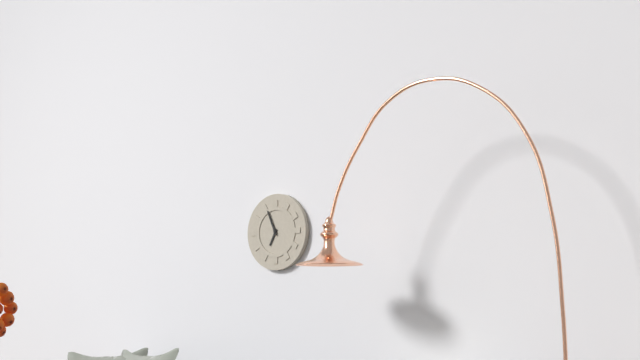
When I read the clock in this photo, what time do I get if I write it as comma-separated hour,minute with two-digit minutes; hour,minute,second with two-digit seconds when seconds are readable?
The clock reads 6,56
